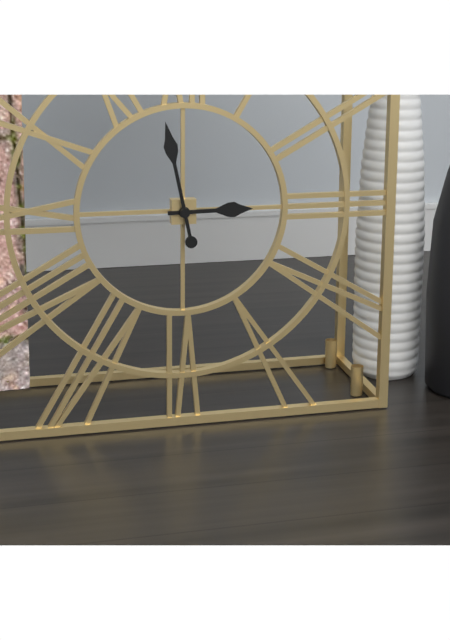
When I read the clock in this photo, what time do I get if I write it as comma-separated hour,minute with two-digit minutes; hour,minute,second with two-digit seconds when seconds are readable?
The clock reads 2,58
